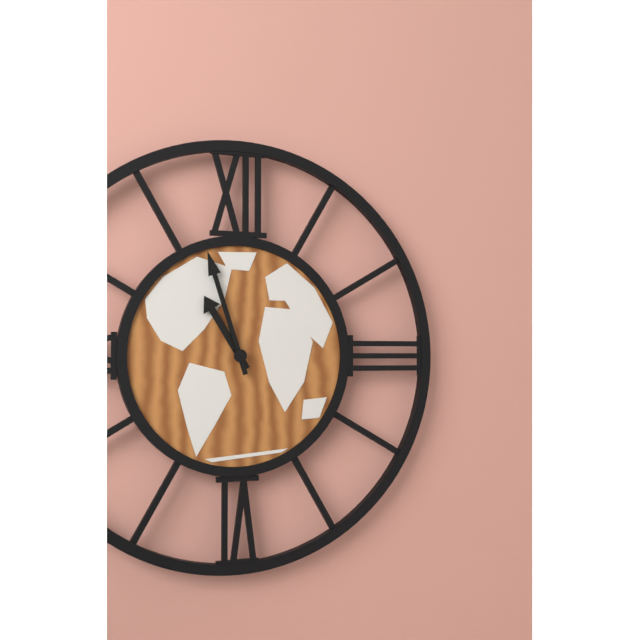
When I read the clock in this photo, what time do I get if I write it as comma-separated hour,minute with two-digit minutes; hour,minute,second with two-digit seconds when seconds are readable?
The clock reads 10,57
